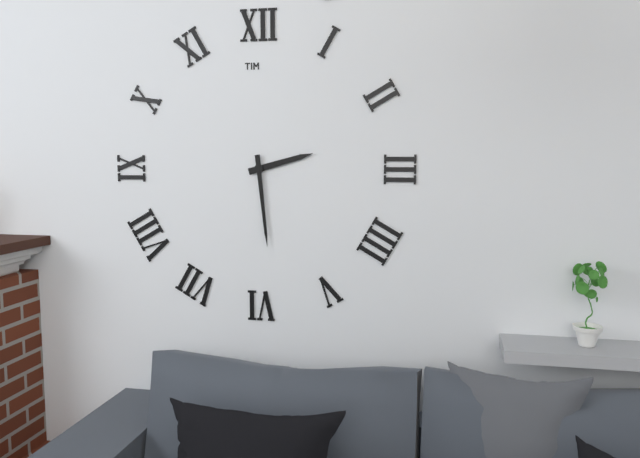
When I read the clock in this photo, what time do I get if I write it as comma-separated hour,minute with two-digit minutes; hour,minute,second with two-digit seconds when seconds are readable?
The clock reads 2,29
